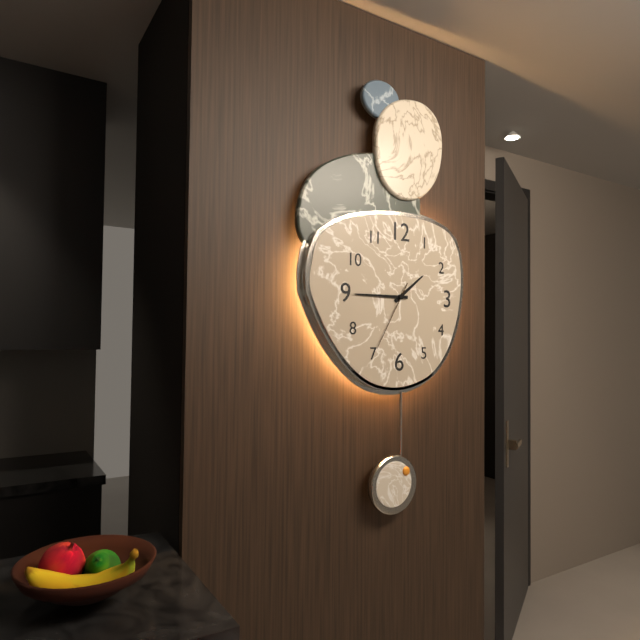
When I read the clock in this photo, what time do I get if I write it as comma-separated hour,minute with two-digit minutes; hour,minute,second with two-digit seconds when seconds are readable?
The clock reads 1,45,35
